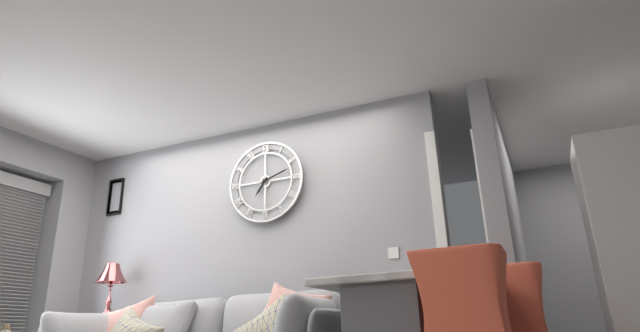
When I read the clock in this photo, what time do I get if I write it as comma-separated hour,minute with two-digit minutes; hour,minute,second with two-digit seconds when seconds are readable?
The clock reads 7,12
